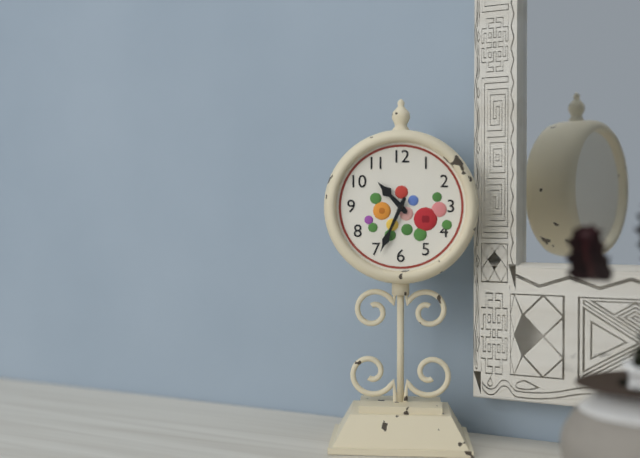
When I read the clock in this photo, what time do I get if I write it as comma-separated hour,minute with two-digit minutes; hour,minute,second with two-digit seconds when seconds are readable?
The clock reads 10,34
